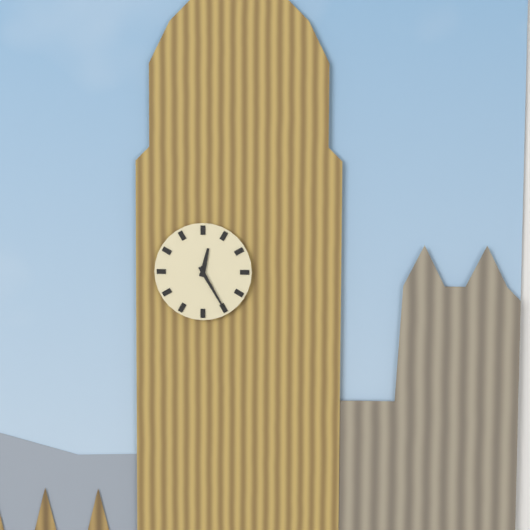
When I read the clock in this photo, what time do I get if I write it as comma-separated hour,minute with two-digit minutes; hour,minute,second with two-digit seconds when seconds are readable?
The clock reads 12,25
